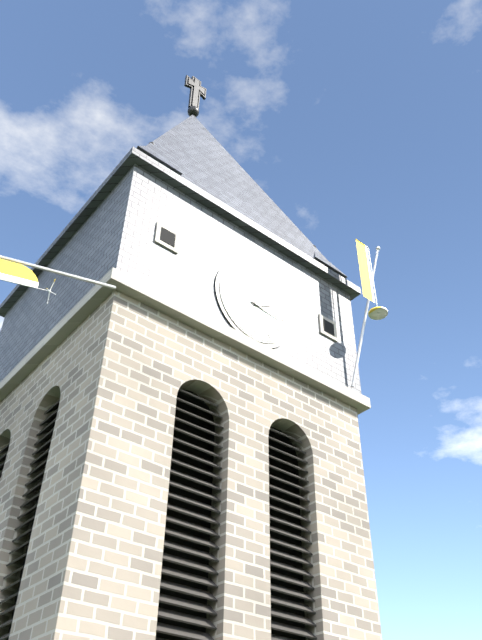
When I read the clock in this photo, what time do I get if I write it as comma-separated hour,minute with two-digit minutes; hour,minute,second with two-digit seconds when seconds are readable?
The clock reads 2,16
